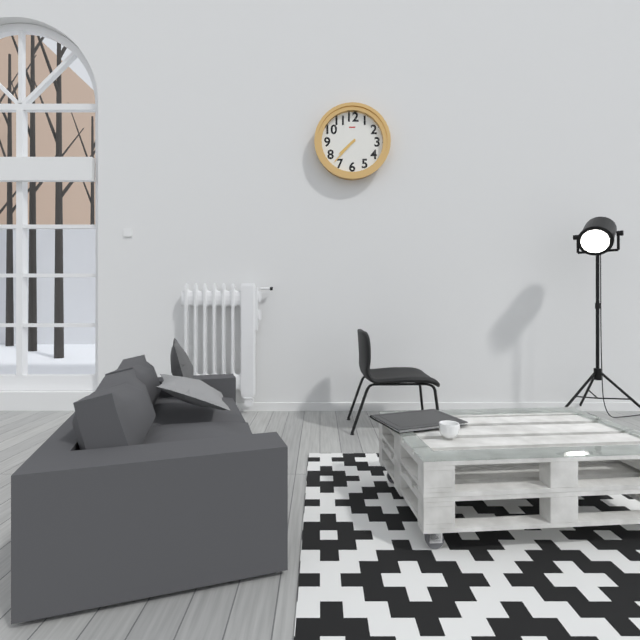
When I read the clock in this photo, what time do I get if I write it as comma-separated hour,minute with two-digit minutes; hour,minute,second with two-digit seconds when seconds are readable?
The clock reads 7,37
